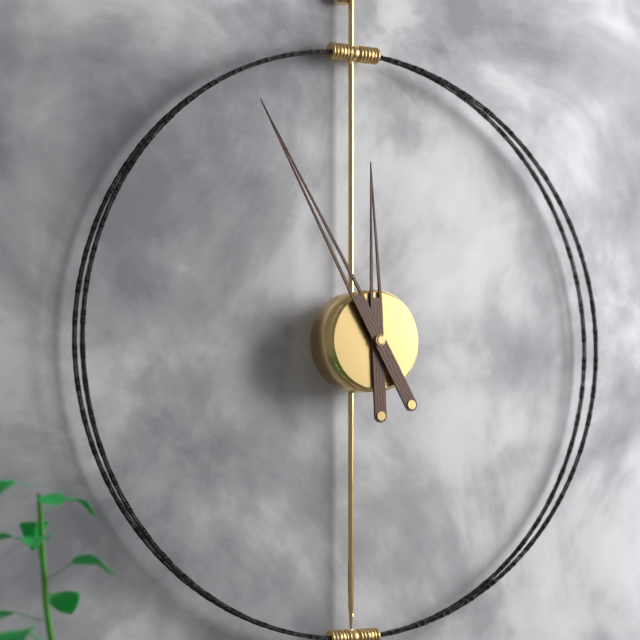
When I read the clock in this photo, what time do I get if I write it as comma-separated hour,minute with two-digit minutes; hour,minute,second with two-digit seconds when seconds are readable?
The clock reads 11,55
